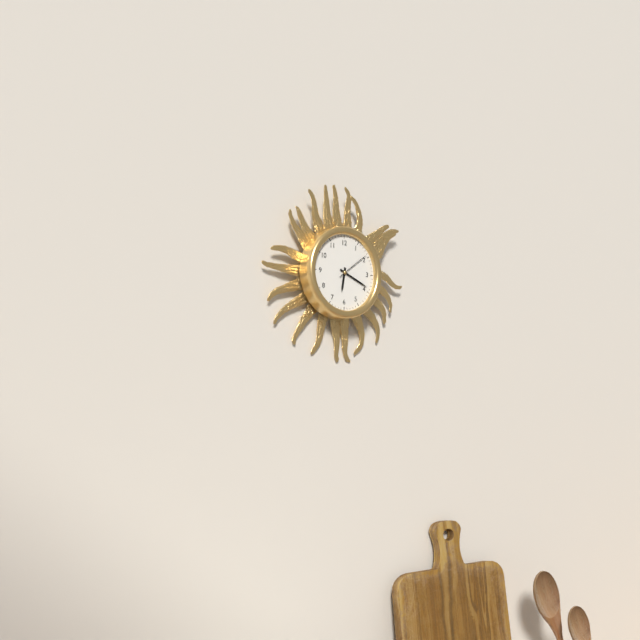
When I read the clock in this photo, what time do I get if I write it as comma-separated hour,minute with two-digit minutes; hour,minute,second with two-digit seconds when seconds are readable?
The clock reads 6,19
